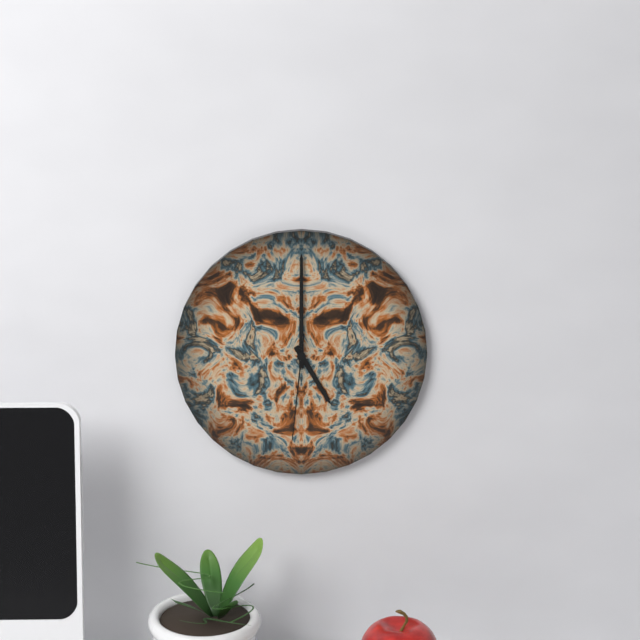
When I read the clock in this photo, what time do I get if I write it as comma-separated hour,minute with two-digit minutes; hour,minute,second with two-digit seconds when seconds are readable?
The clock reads 5,00,31
